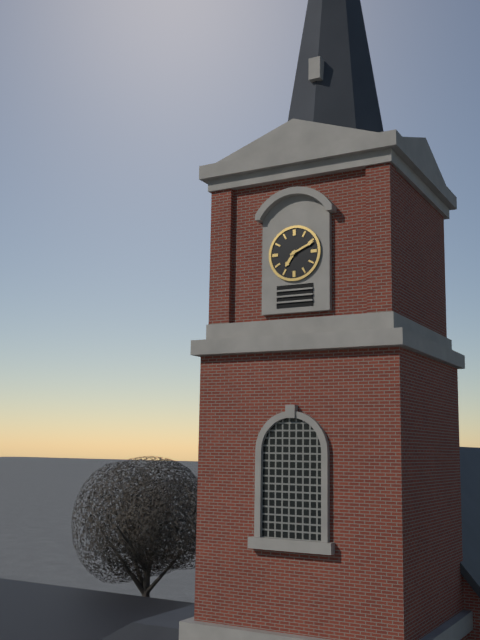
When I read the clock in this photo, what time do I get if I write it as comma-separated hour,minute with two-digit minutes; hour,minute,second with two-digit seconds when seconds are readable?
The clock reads 7,11
